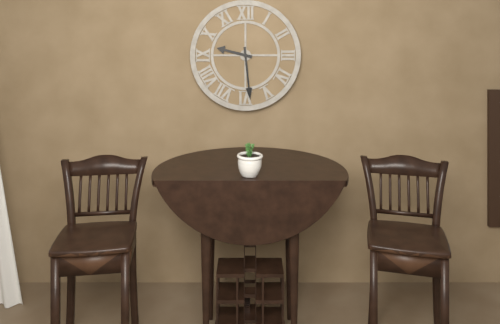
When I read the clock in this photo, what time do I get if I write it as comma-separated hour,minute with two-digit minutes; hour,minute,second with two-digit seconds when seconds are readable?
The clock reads 9,29
